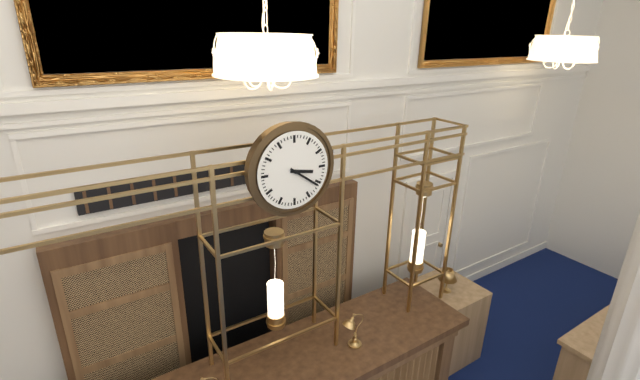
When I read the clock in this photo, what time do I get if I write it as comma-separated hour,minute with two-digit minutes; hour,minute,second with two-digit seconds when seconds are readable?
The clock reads 3,21
